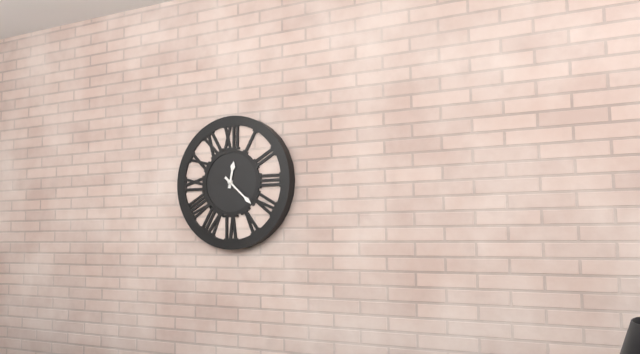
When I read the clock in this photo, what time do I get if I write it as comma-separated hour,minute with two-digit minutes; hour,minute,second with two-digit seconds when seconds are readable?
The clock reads 12,22
